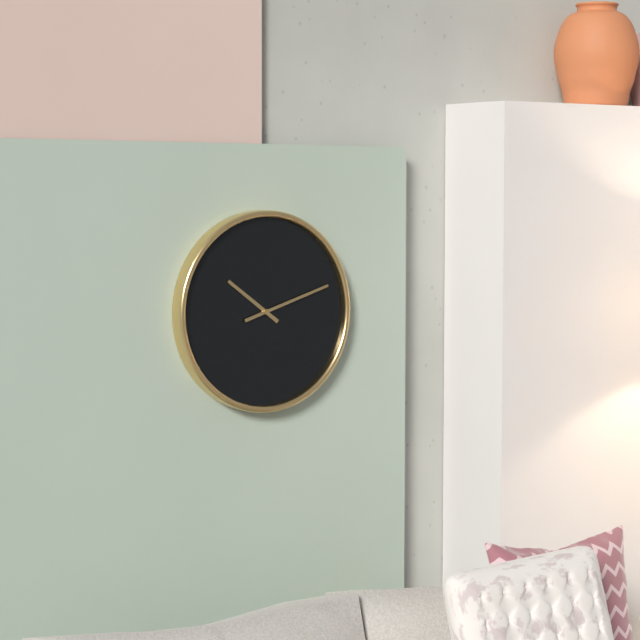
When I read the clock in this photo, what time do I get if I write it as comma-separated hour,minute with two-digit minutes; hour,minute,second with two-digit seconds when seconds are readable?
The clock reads 10,12
